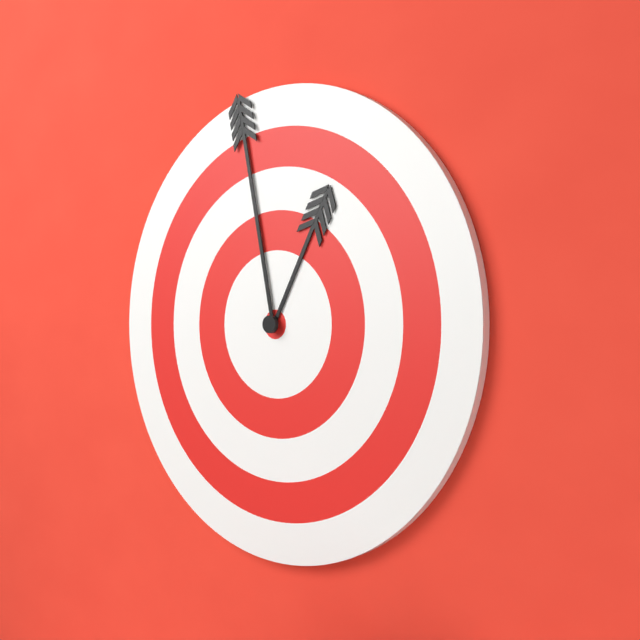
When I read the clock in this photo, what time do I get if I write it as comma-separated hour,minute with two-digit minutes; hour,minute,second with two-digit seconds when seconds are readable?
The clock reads 12,58
